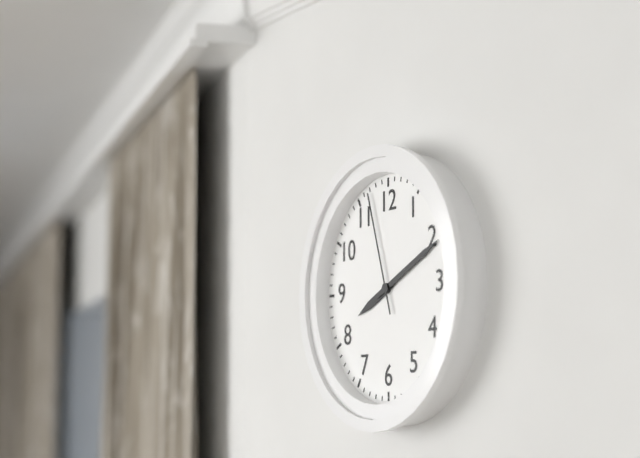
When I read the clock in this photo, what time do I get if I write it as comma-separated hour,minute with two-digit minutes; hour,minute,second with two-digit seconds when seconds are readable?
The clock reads 8,11,57
